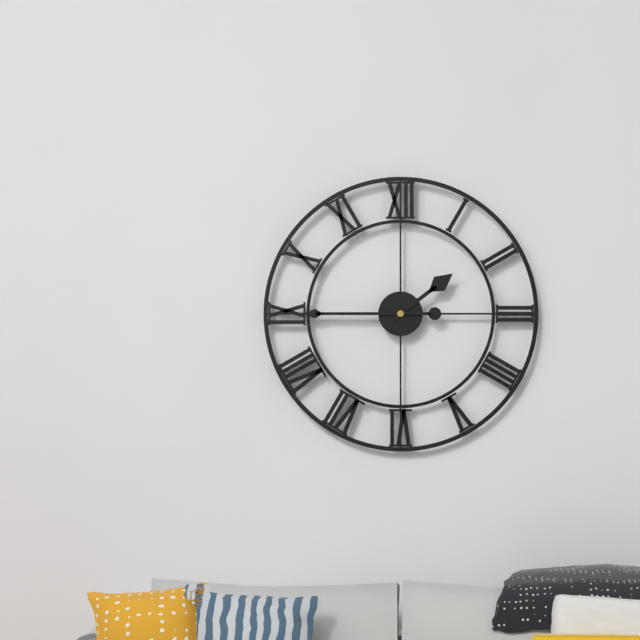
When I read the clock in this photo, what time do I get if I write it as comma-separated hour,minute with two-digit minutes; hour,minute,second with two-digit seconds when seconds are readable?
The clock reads 1,45
